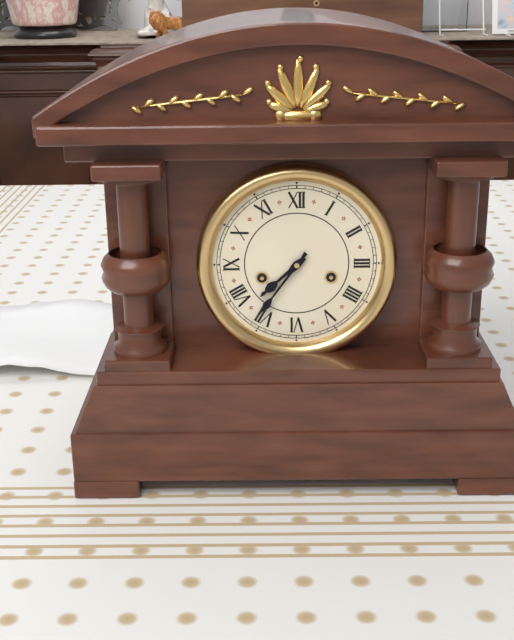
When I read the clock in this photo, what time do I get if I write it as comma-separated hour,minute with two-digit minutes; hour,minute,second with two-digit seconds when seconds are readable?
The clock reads 7,36
